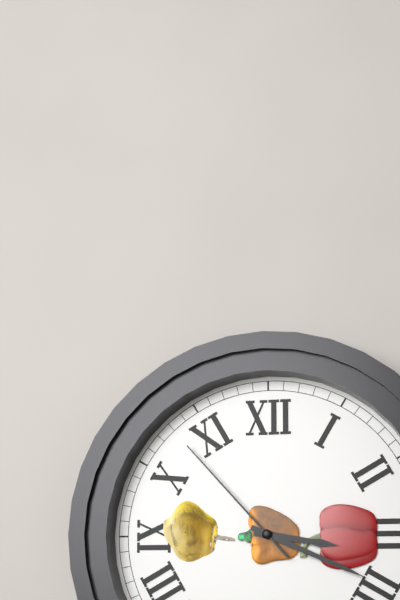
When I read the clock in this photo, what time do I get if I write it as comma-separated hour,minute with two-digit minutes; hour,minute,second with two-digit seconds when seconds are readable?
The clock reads 3,19,53
